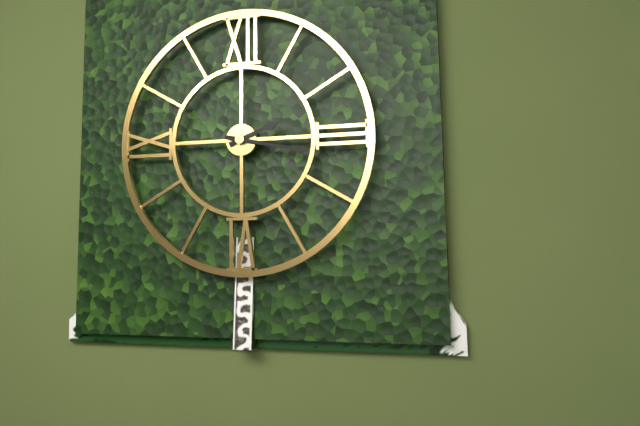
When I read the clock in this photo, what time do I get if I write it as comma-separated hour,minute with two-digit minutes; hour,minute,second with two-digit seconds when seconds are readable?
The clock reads 2,17
